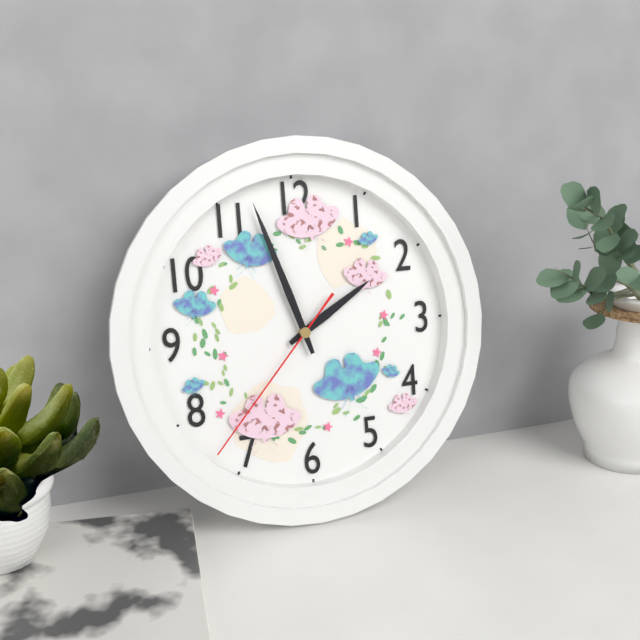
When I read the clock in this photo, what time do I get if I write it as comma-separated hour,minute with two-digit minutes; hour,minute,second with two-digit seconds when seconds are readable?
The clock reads 1,57,37
